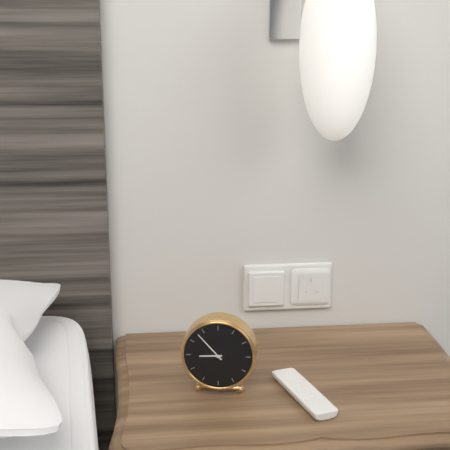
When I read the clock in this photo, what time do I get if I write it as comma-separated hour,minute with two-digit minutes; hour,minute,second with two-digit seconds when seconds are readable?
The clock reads 8,53
